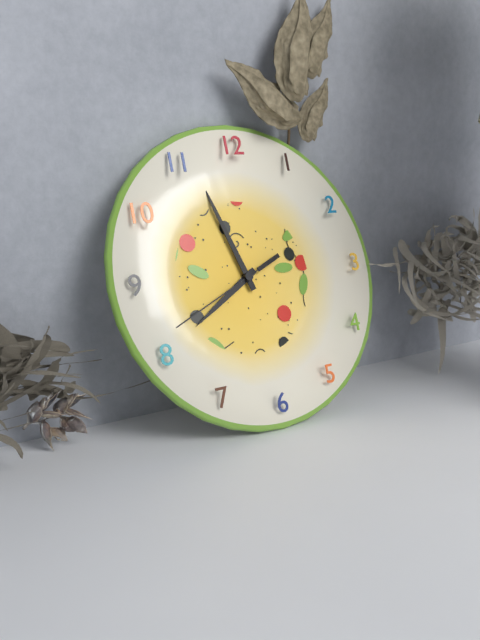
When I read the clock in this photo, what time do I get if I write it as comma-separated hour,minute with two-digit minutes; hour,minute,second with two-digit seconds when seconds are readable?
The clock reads 7,57,41
